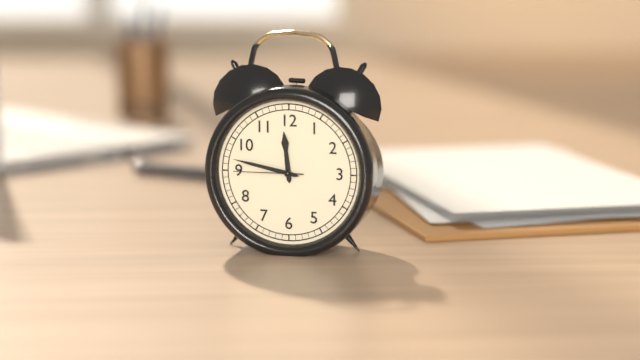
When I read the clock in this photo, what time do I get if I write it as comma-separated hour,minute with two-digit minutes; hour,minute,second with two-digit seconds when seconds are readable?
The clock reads 11,47,45
